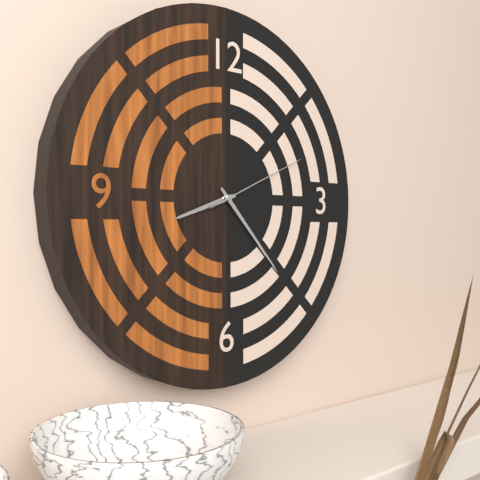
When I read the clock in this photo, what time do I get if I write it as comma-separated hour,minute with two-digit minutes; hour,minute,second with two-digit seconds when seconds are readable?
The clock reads 8,23,11
